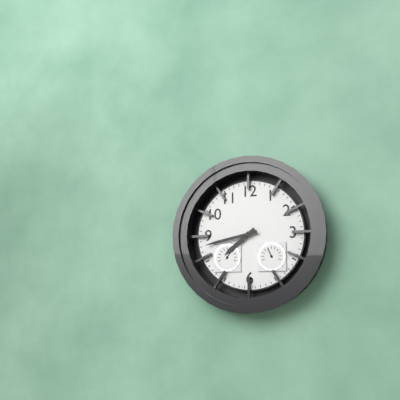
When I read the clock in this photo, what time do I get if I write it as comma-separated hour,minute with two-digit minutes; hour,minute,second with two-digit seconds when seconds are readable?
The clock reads 7,43
